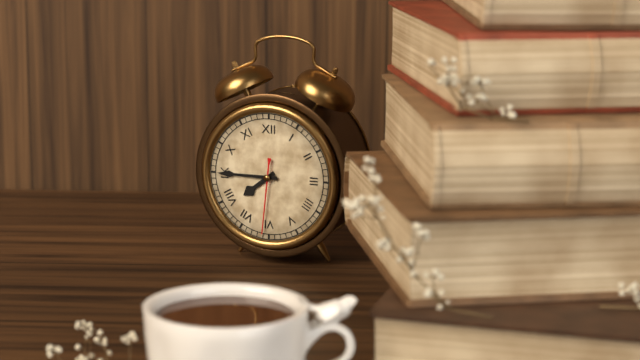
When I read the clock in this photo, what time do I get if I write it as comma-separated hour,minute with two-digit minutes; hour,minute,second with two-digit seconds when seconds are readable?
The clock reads 7,45,31
